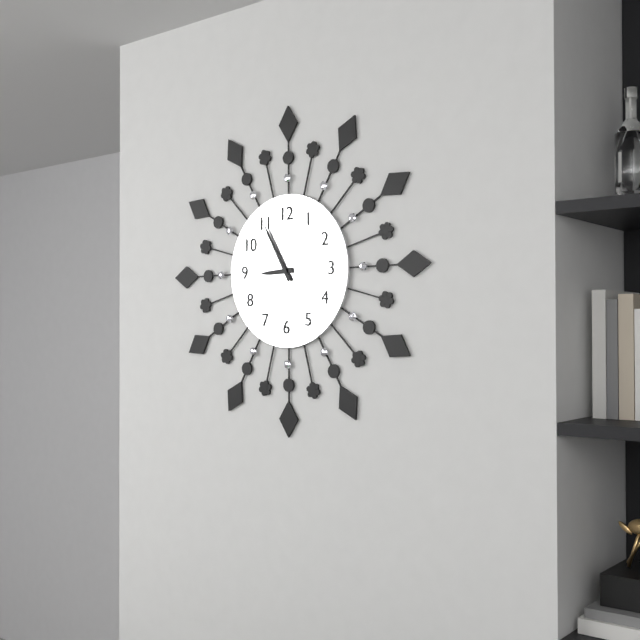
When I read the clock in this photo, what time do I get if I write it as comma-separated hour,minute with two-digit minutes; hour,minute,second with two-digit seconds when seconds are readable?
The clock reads 8,55
